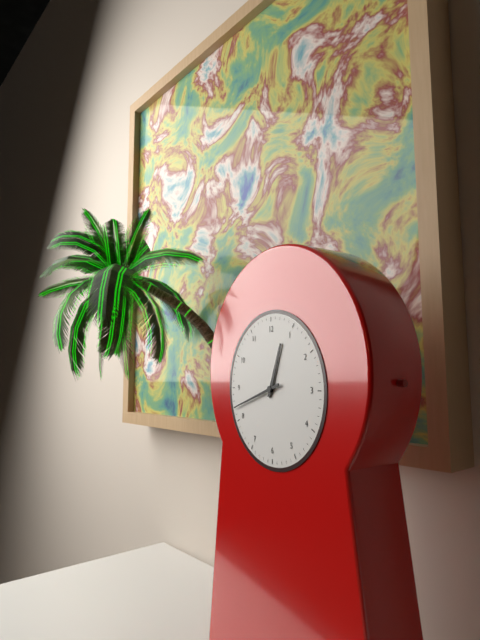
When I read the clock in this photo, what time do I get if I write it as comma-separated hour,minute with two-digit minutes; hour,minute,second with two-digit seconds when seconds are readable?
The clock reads 12,42
